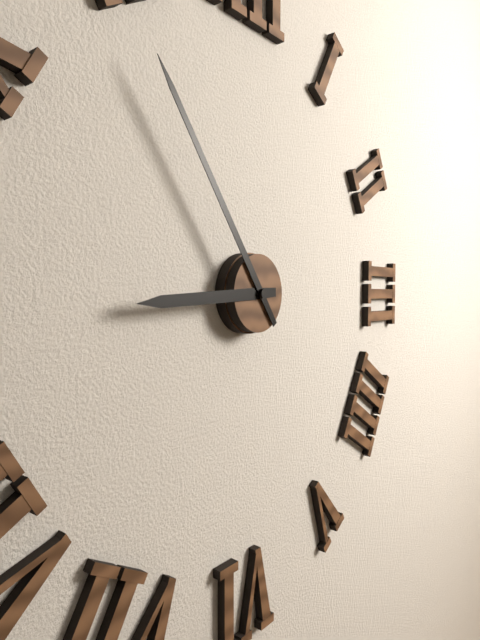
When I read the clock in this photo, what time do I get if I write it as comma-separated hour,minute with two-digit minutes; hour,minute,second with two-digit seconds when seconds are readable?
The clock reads 8,54
